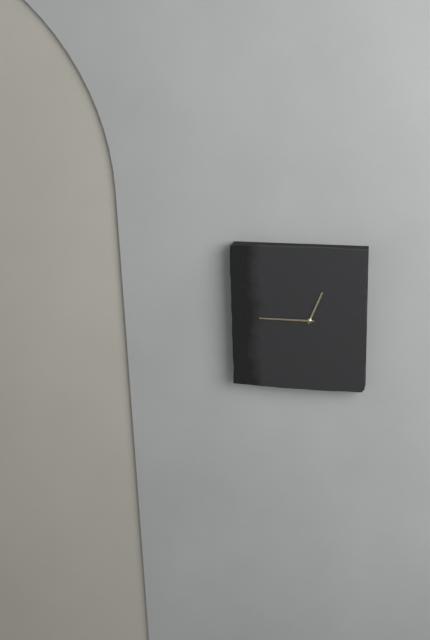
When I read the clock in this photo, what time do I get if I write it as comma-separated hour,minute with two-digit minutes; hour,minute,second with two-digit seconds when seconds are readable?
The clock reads 12,45
